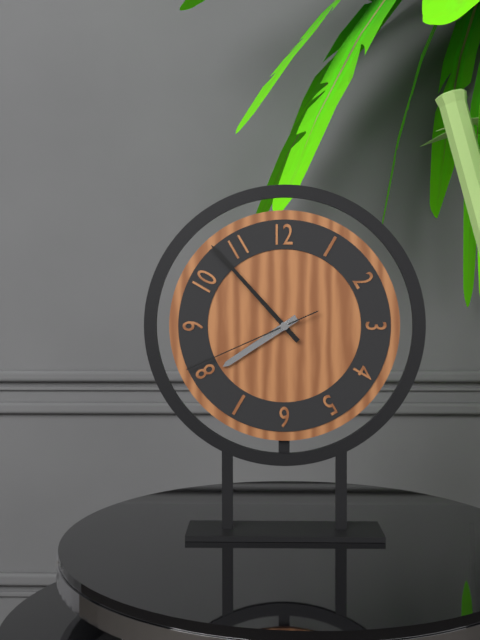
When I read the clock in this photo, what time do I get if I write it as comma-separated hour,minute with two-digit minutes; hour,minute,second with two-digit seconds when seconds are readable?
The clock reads 7,53,41
